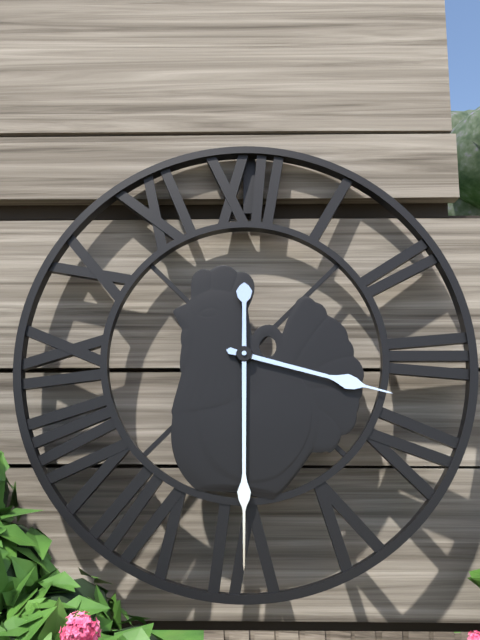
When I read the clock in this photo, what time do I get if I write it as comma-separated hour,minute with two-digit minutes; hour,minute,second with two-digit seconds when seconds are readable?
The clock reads 3,30
